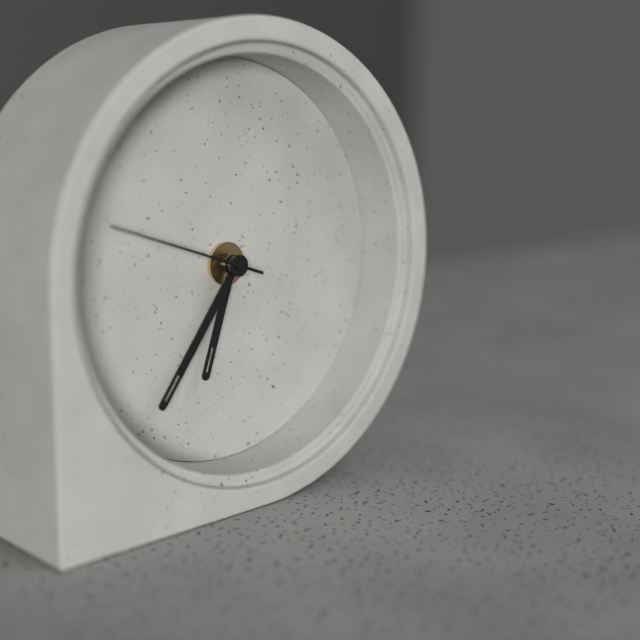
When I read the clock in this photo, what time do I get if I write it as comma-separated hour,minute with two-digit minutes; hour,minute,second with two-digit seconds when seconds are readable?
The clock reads 6,36,48
